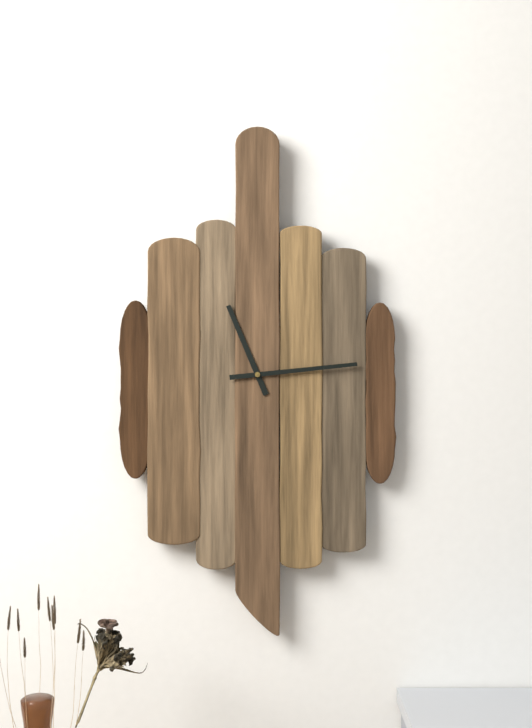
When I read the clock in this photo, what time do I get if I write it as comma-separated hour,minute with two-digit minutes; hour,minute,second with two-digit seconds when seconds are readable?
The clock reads 11,14
